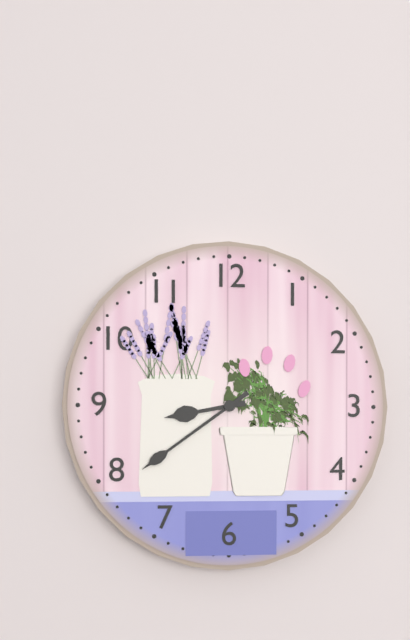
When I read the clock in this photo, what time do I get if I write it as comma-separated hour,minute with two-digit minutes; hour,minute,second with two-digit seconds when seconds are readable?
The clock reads 8,39
